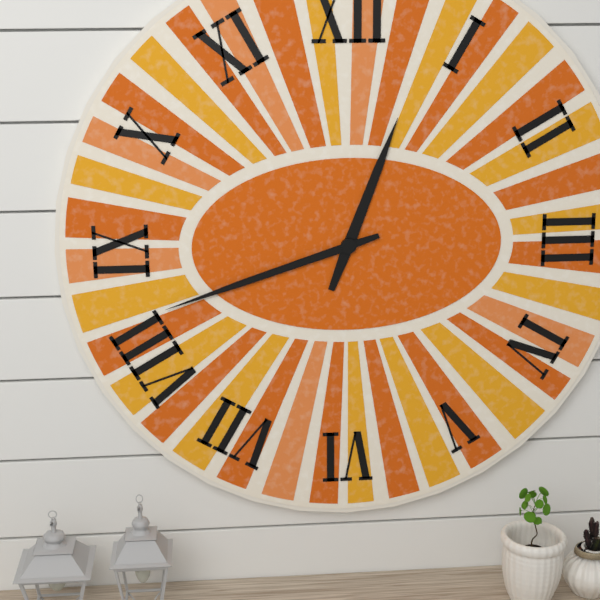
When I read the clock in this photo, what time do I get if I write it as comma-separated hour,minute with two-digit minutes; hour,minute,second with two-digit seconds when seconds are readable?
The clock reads 12,42
